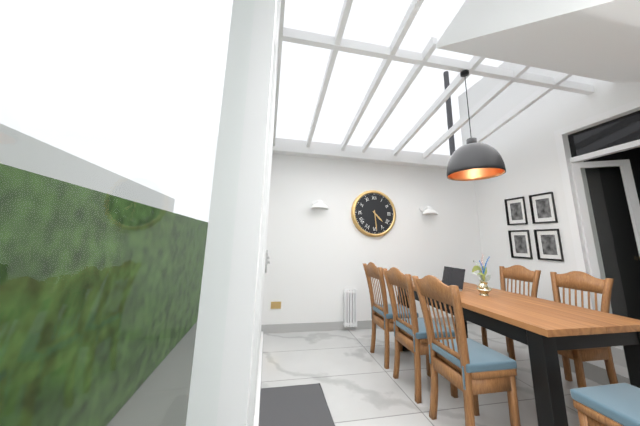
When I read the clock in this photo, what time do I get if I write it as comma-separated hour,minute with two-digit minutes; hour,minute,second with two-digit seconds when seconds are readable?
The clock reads 4,29
